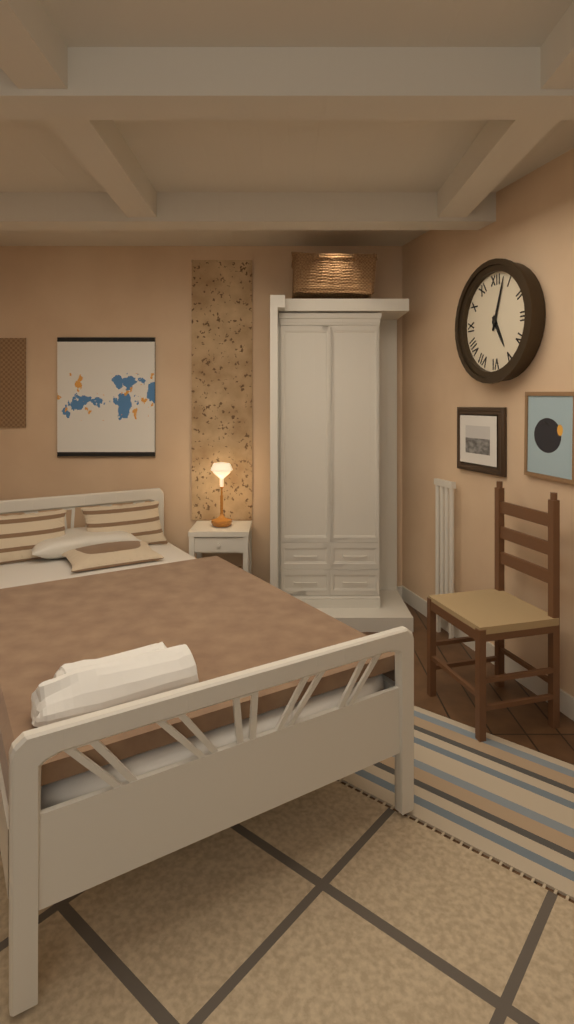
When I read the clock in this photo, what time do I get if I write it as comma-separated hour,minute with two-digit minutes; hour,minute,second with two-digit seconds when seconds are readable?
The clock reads 5,03
